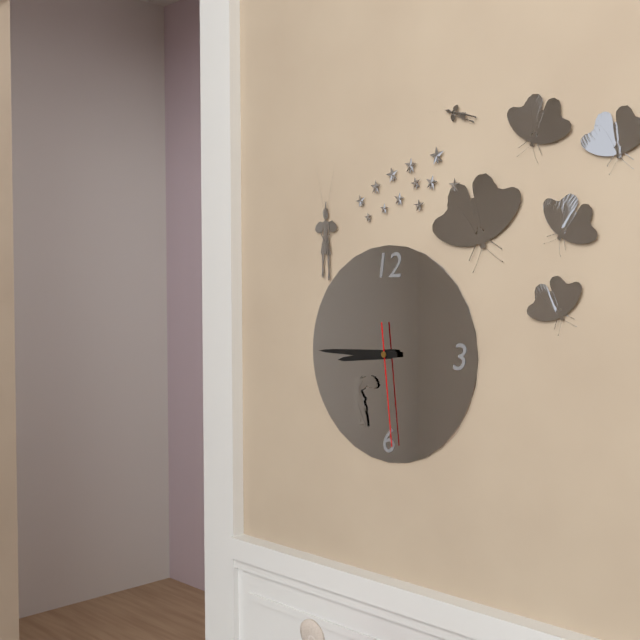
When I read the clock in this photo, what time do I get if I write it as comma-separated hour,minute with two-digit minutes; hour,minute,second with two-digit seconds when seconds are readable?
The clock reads 8,45,29
